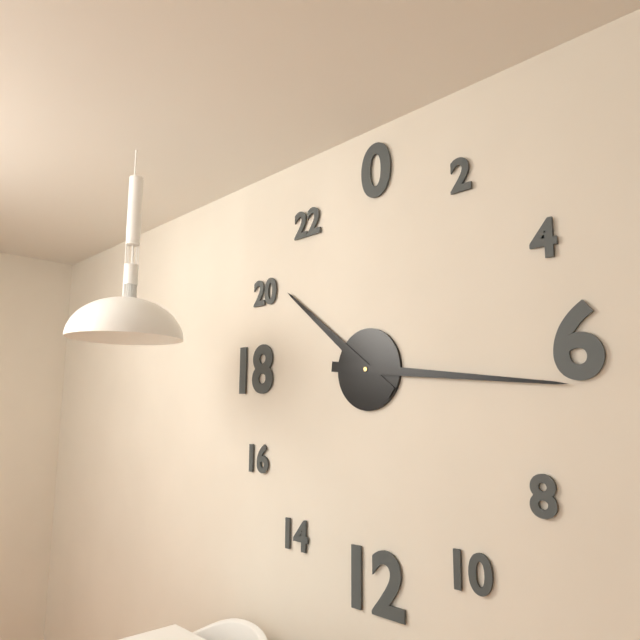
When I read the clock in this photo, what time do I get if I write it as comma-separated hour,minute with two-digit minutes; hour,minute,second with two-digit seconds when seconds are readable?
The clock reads 10,16
